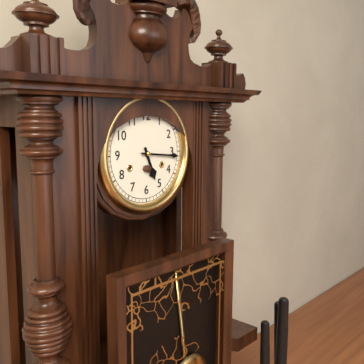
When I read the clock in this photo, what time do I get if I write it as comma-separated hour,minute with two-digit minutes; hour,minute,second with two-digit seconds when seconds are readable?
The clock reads 5,16
